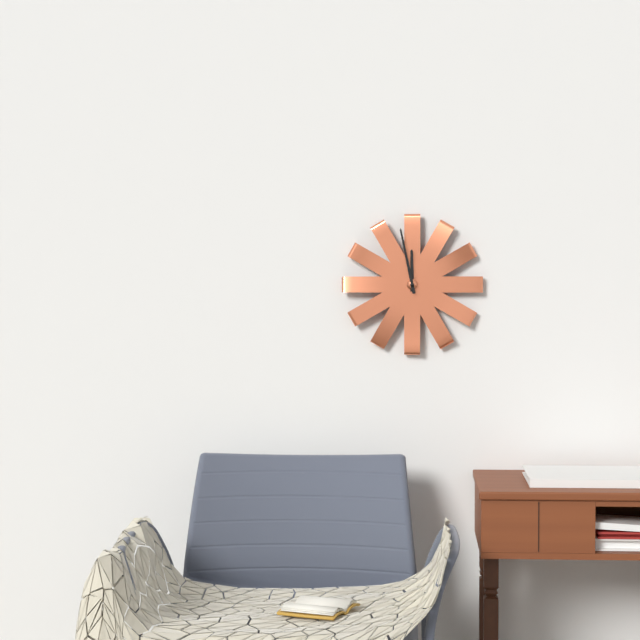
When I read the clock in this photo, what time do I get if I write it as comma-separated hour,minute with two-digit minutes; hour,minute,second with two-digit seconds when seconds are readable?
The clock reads 11,58
